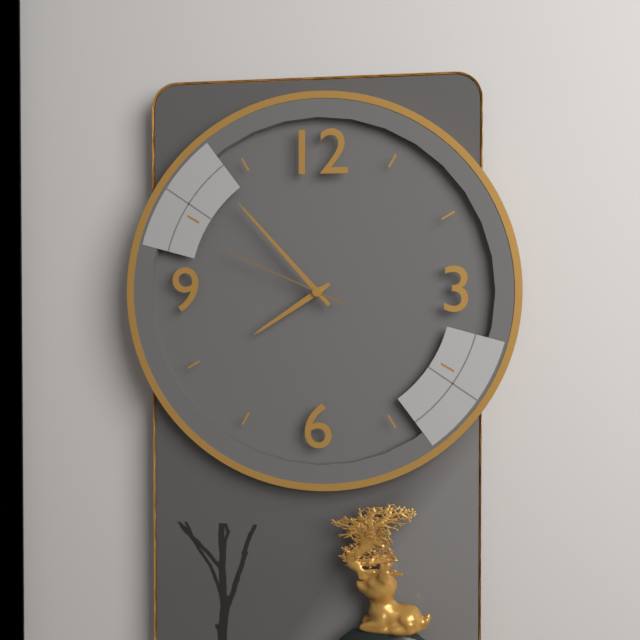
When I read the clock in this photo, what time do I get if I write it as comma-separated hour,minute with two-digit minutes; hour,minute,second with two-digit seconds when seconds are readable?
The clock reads 7,53,49
